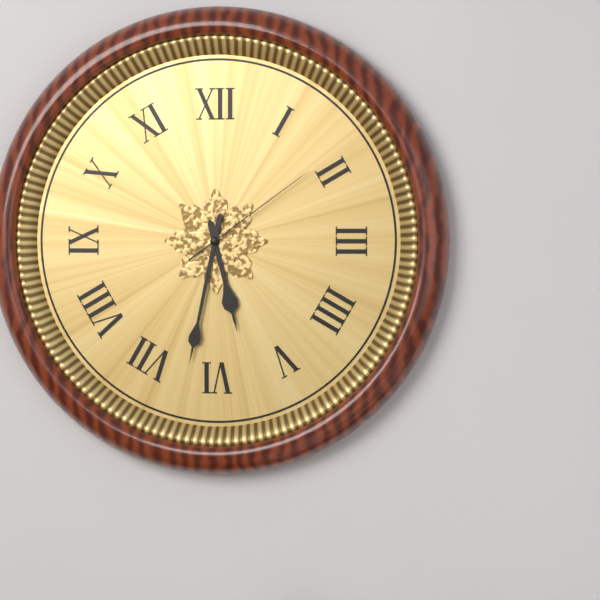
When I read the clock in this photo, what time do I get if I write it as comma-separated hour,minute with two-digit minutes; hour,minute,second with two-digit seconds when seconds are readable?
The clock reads 5,32,09
